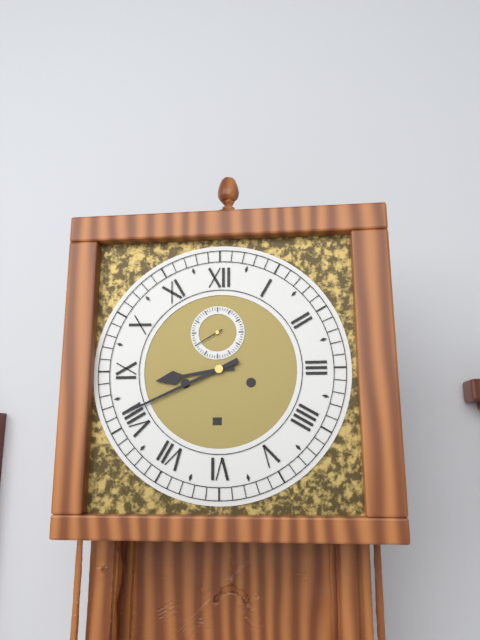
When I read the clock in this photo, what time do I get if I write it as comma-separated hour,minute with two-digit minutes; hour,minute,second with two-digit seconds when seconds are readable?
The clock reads 8,41
